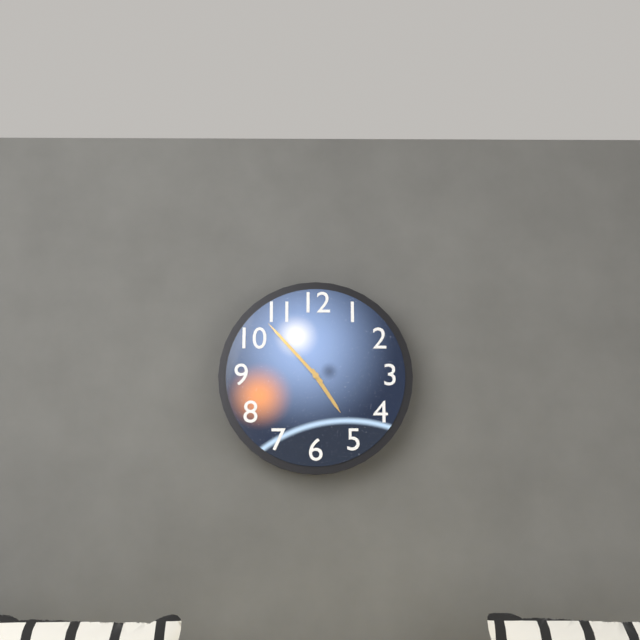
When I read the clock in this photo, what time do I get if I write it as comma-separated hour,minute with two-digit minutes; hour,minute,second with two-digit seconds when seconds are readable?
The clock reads 4,53
